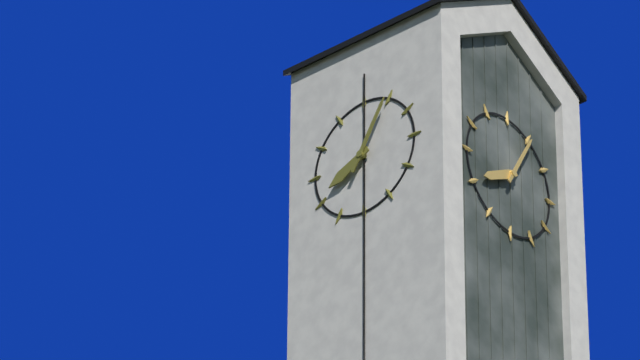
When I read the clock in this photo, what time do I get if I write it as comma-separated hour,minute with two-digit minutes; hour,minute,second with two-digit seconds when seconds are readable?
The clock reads 8,05
